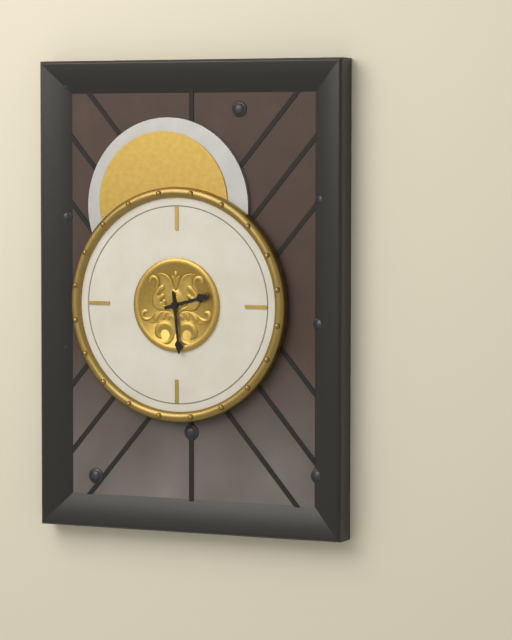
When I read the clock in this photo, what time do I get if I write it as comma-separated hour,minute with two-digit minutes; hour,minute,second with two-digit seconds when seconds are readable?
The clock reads 2,29
